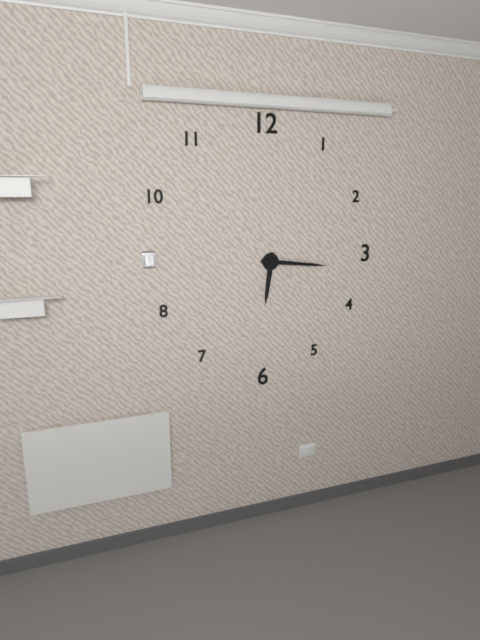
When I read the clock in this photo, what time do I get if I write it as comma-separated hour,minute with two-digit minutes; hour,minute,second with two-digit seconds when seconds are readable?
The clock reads 6,16
